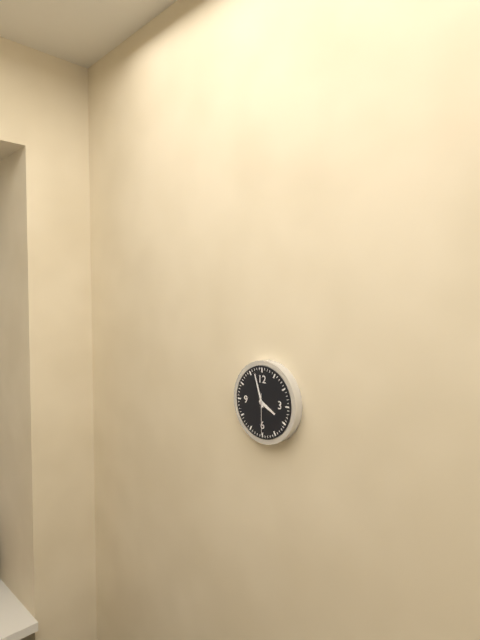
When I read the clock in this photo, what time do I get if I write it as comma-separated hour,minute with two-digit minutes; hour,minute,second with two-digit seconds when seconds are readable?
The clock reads 3,57
